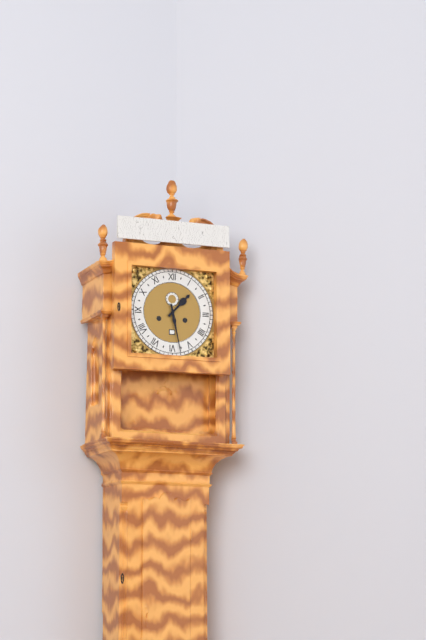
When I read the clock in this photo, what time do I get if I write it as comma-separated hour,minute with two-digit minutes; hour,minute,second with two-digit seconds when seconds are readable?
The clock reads 1,28
